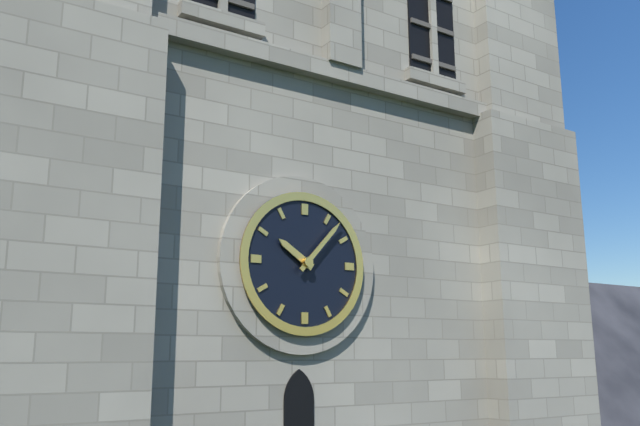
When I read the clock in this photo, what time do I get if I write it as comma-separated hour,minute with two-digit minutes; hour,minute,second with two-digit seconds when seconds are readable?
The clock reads 10,07
